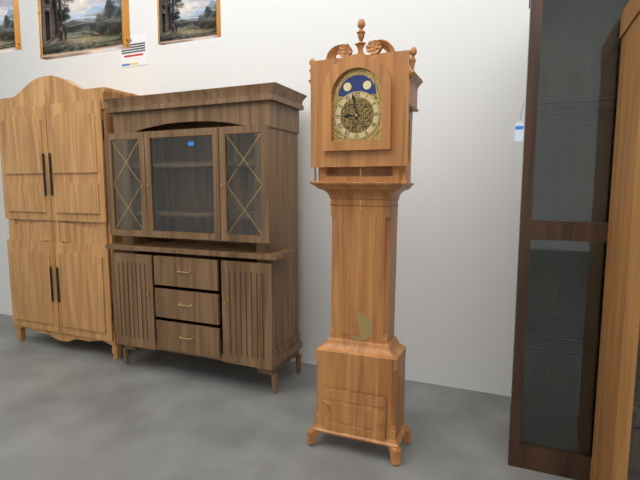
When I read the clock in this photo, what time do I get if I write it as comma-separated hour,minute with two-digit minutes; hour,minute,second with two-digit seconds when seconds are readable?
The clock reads 8,58
